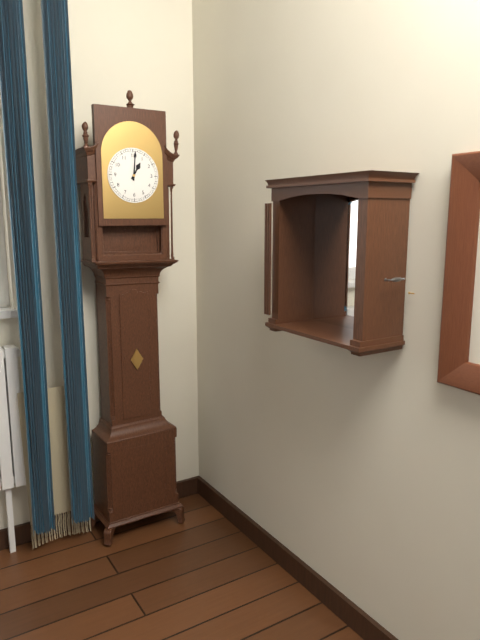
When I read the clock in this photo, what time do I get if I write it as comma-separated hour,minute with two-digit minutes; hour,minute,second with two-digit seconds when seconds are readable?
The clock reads 1,01
